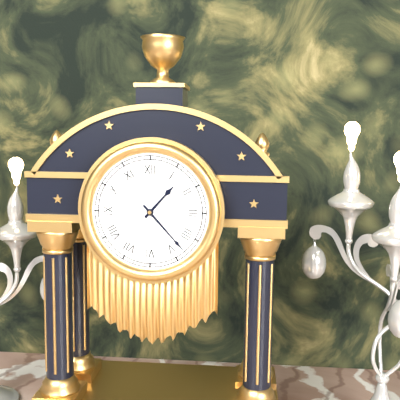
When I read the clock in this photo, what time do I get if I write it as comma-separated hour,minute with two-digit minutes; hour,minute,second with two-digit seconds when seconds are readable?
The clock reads 1,23
